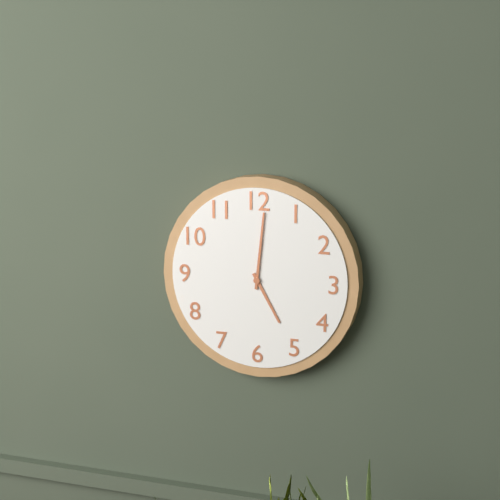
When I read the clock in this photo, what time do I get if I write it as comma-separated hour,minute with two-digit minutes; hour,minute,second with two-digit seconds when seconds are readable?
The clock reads 5,01
